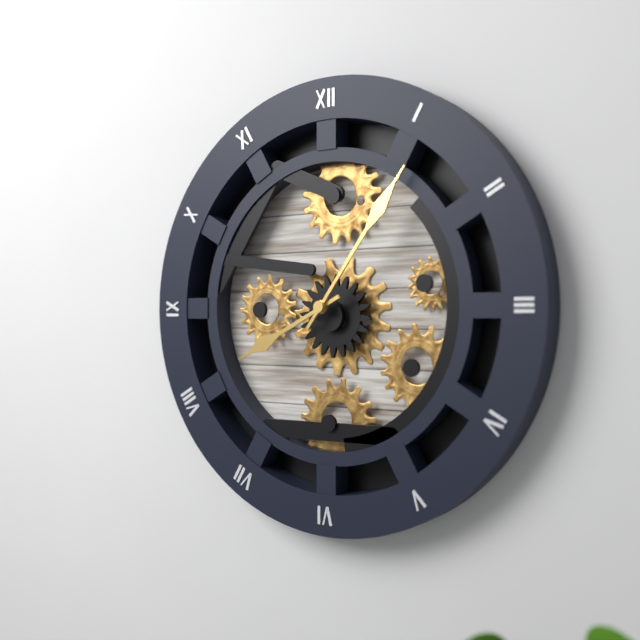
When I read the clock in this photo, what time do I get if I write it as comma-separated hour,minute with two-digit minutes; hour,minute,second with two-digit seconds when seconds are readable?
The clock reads 8,06
